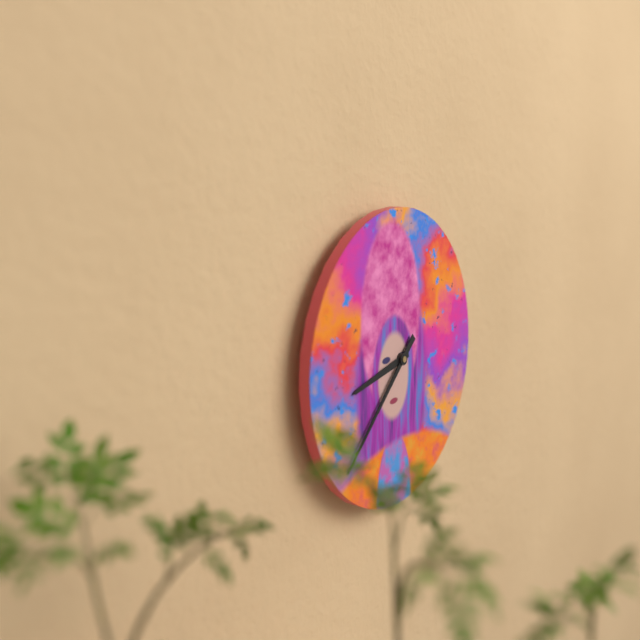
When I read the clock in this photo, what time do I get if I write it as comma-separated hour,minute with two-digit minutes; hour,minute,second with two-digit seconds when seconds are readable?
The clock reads 8,38
